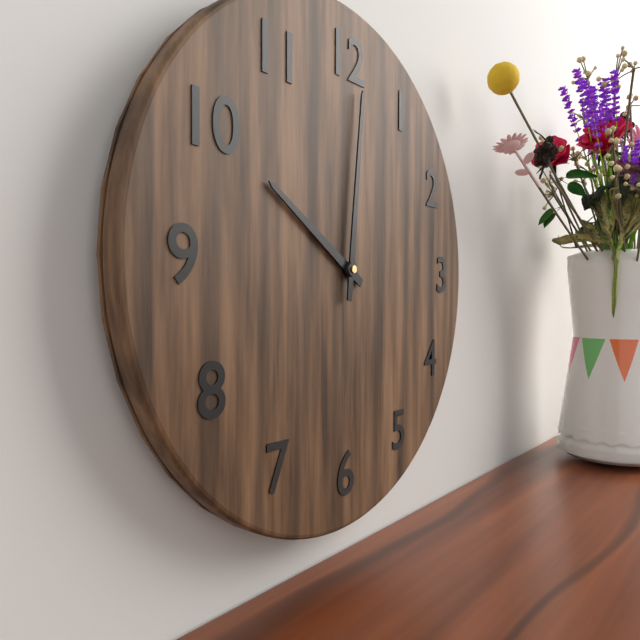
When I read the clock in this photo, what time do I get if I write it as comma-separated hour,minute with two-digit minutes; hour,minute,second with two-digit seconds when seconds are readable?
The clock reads 10,01
